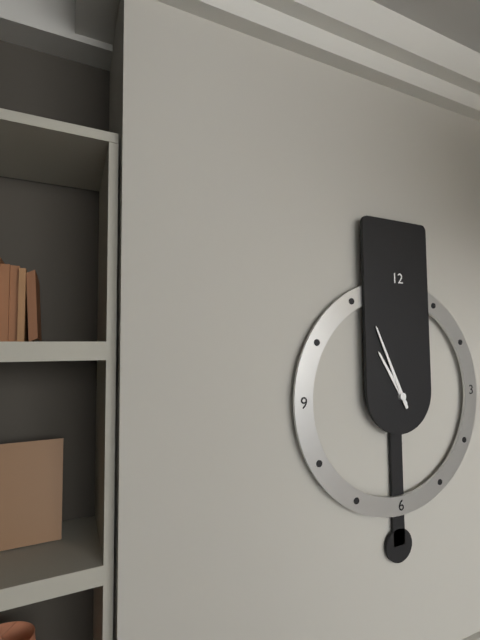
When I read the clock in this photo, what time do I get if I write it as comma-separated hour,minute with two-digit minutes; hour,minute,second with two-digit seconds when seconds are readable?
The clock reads 10,56
